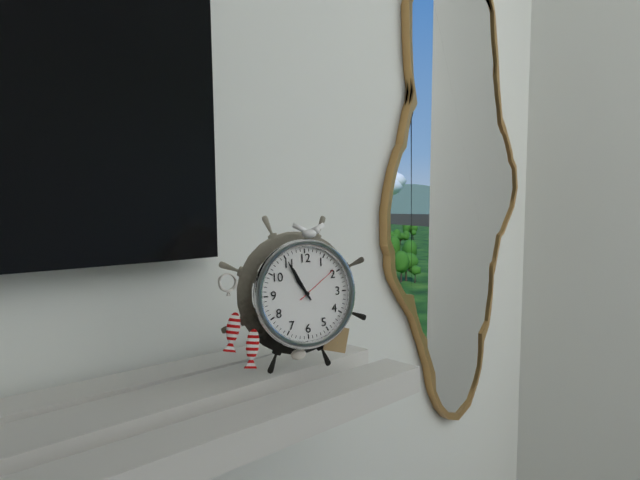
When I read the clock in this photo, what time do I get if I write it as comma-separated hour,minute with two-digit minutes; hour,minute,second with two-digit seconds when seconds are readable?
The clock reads 10,55
